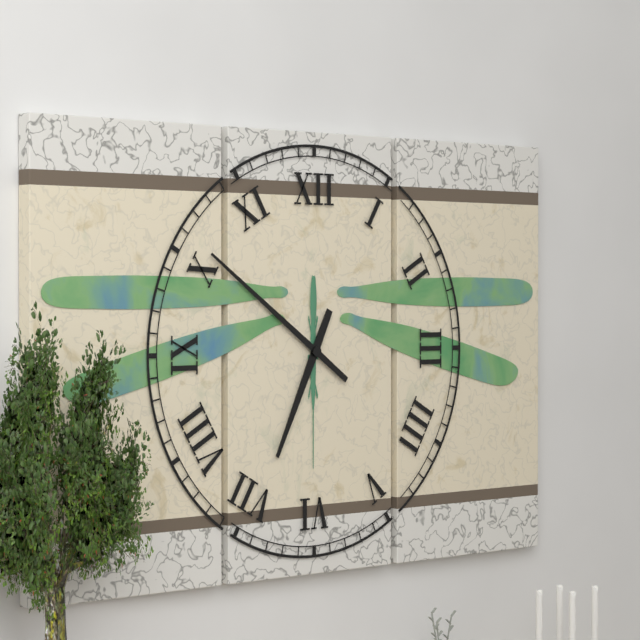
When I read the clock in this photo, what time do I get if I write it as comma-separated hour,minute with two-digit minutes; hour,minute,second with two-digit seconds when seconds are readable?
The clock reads 6,51
